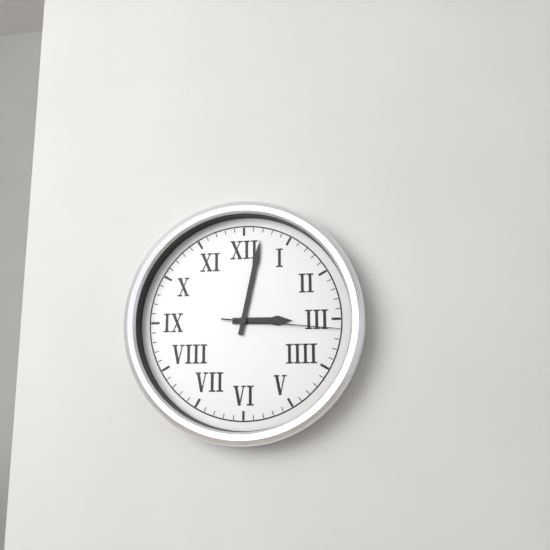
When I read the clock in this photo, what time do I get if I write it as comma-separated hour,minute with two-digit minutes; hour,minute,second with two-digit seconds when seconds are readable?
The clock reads 3,02,16
